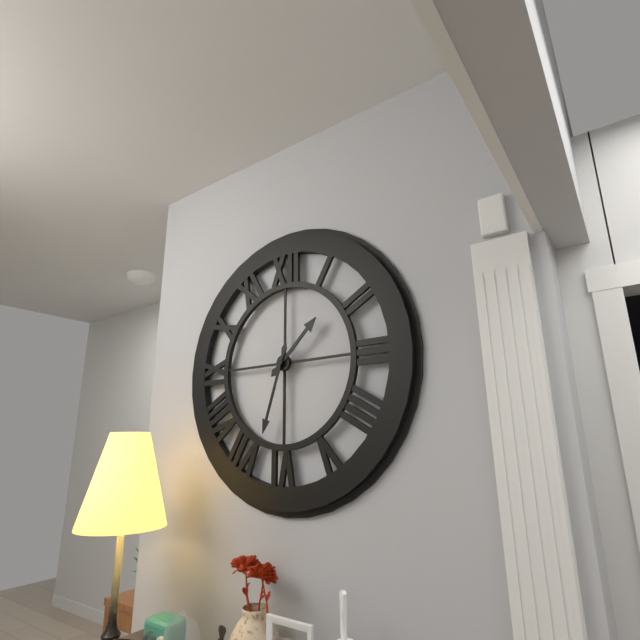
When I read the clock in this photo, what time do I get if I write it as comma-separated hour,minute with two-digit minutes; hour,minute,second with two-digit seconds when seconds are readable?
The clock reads 1,33
